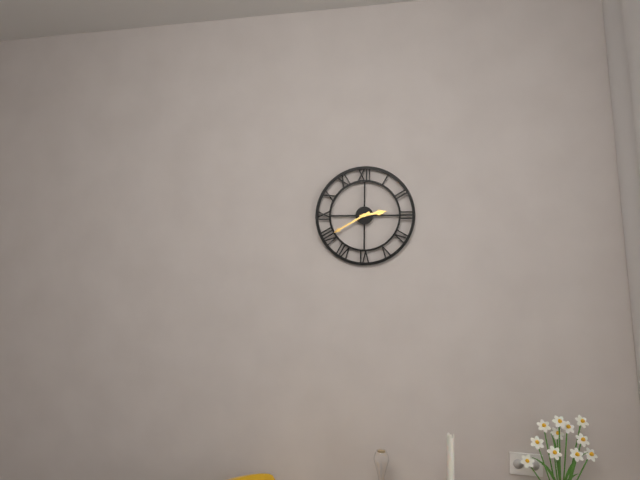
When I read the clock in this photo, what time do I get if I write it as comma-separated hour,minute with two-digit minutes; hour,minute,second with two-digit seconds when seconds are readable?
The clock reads 2,40
